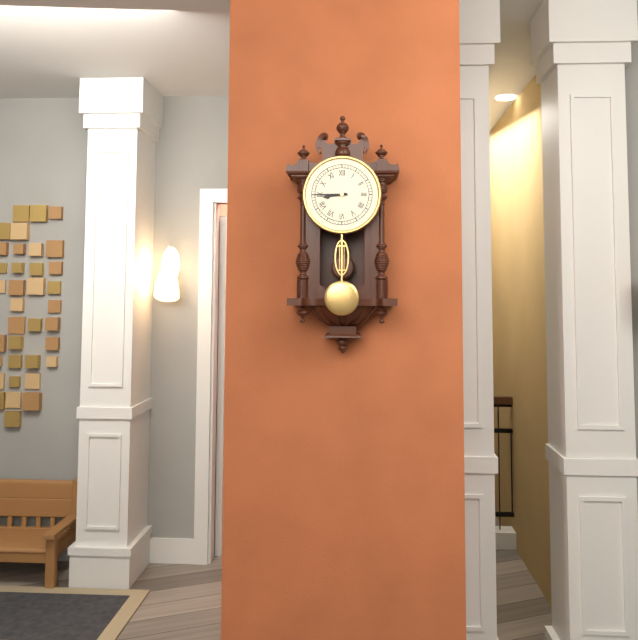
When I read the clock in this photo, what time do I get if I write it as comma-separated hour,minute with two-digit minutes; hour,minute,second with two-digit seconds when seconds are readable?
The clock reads 8,45
